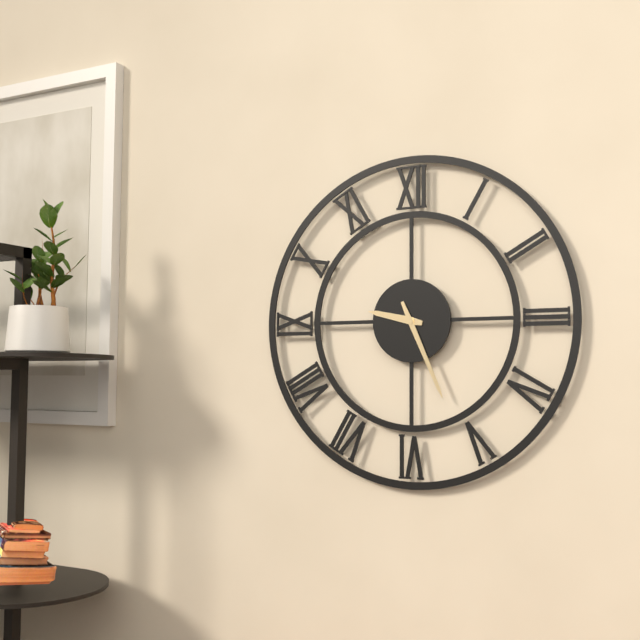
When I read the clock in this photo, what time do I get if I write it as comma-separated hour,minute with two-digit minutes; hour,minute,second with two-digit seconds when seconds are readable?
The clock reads 9,26
